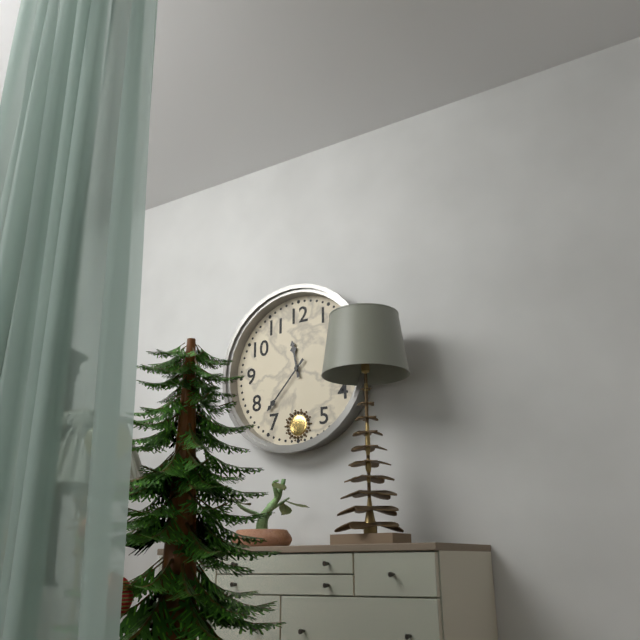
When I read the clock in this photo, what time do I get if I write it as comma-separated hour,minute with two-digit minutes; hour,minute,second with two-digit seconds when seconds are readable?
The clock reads 11,37
